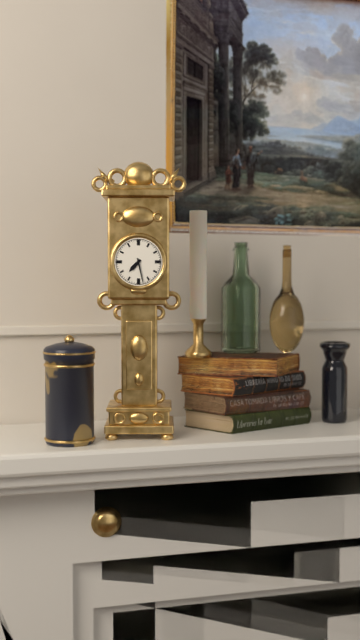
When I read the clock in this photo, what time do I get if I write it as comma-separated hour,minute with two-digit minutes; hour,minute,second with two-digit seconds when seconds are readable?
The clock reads 7,28
